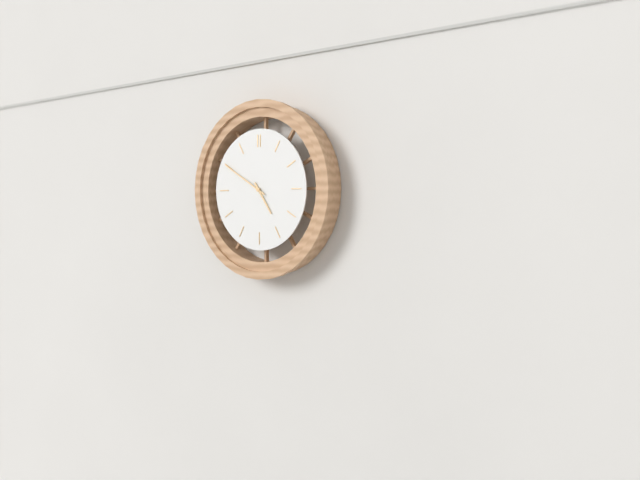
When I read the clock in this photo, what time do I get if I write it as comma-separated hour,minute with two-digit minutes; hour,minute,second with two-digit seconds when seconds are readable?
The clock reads 4,50
